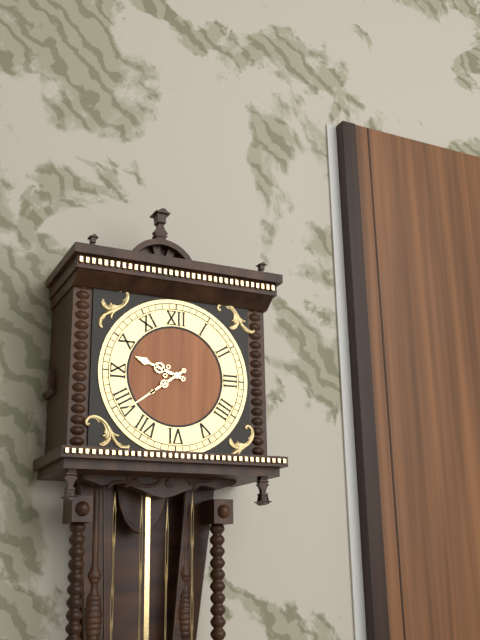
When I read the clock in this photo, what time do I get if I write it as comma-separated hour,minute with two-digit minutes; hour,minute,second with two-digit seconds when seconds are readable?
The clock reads 9,39
